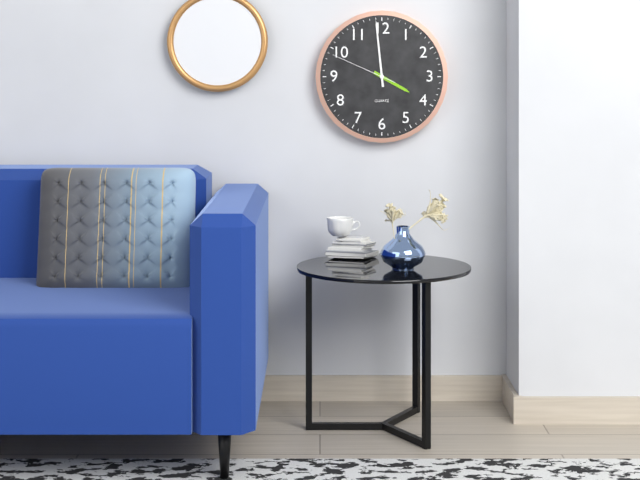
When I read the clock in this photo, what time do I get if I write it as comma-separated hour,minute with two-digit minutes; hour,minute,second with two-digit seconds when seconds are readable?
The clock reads 3,59,49
